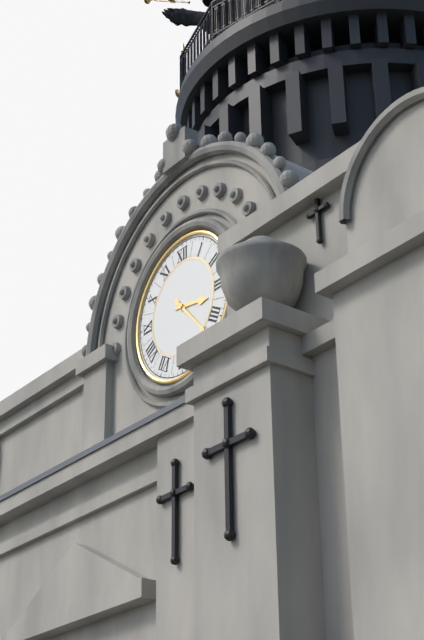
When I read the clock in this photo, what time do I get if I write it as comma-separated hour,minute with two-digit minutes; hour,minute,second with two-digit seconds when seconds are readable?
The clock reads 3,23
